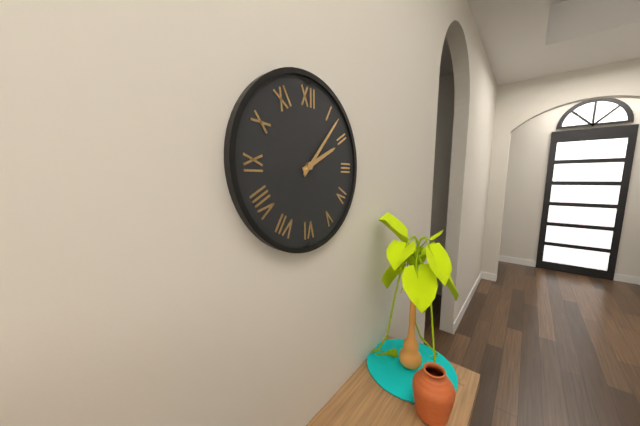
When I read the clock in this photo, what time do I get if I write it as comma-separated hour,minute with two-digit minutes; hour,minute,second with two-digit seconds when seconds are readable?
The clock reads 2,07
